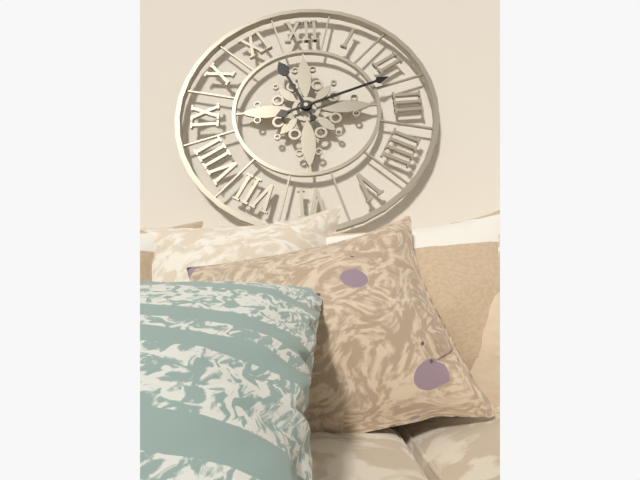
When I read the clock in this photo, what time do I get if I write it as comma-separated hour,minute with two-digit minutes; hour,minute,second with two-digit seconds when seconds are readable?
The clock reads 11,12
